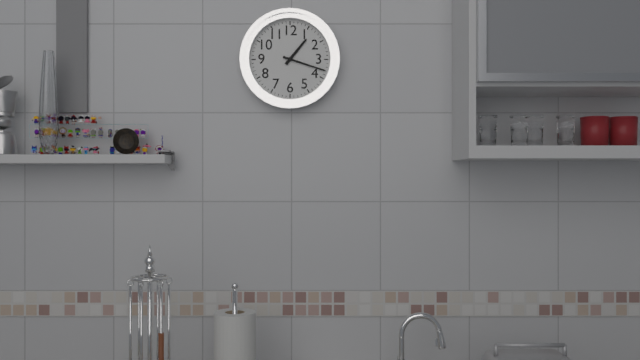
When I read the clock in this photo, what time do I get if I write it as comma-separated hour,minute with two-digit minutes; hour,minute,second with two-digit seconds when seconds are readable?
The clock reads 1,18
